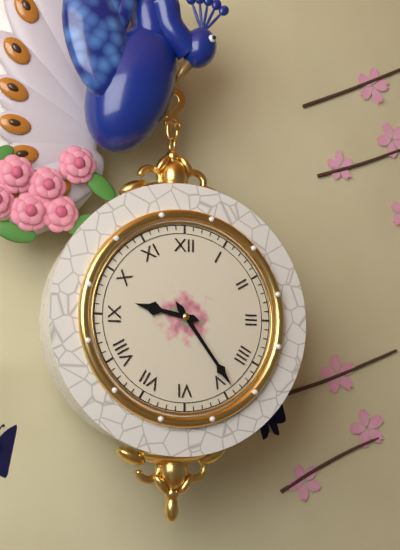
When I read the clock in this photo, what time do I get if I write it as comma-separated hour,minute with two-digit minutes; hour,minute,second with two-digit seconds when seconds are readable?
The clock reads 9,24
